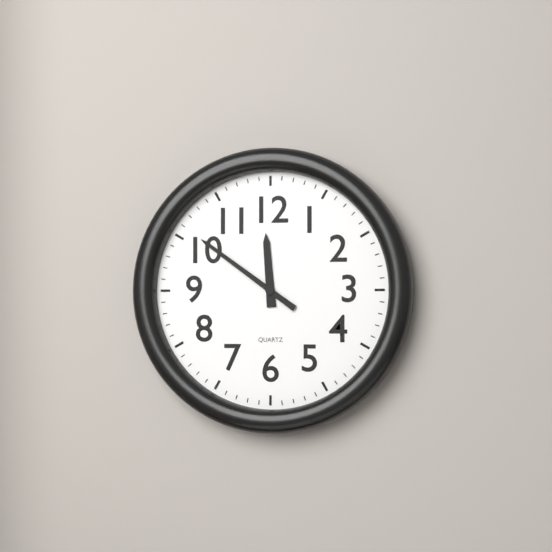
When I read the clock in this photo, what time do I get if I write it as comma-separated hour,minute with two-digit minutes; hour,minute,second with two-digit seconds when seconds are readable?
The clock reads 11,51
